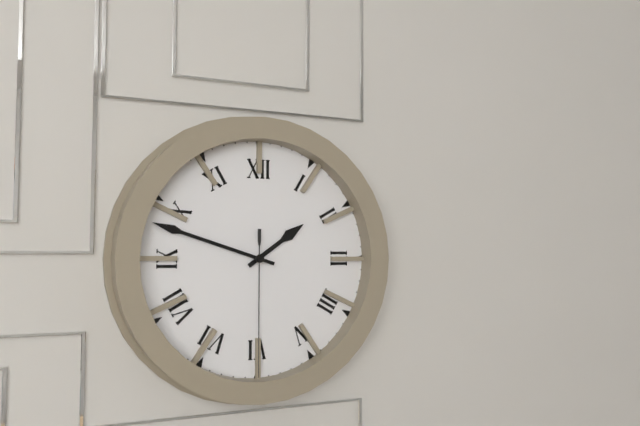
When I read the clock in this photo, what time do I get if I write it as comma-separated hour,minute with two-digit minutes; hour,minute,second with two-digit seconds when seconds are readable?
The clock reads 1,48,30
